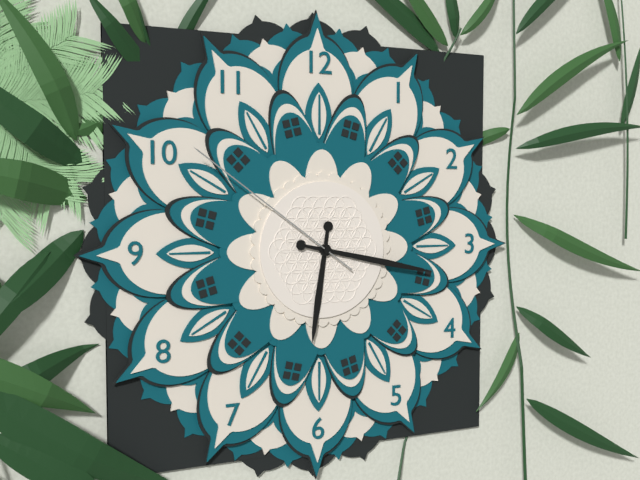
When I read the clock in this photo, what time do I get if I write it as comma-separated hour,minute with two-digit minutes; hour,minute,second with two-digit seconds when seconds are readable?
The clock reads 6,17,51
